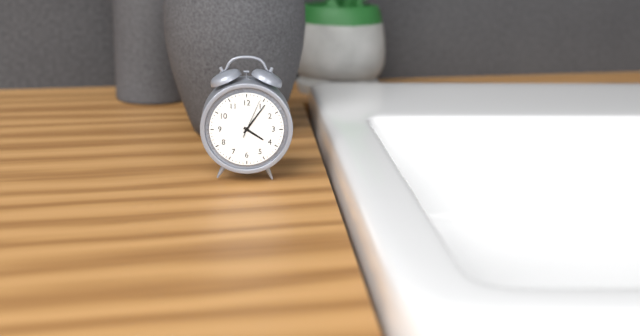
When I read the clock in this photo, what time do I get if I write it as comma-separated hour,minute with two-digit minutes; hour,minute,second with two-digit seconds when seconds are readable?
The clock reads 4,06
